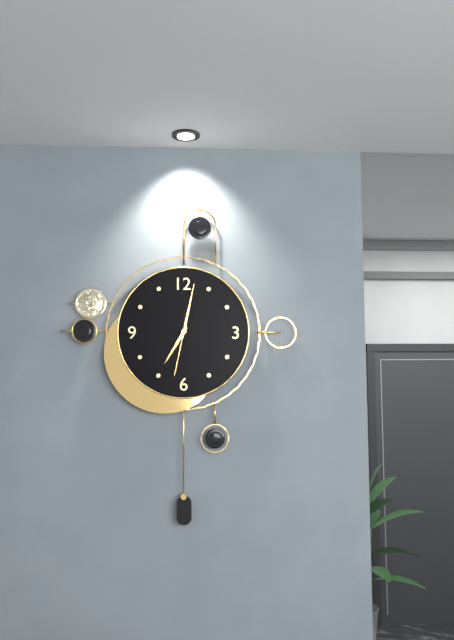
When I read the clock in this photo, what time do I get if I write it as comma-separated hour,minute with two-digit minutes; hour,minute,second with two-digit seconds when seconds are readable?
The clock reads 7,02,32
